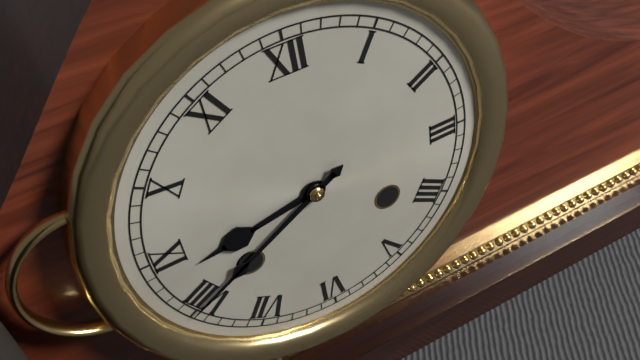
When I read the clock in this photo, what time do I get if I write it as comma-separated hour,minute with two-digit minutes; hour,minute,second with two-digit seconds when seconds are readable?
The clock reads 8,40
